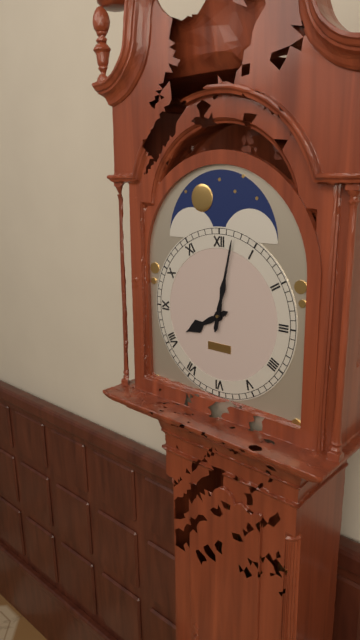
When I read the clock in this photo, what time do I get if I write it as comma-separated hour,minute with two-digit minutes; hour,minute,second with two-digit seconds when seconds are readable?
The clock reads 8,02
